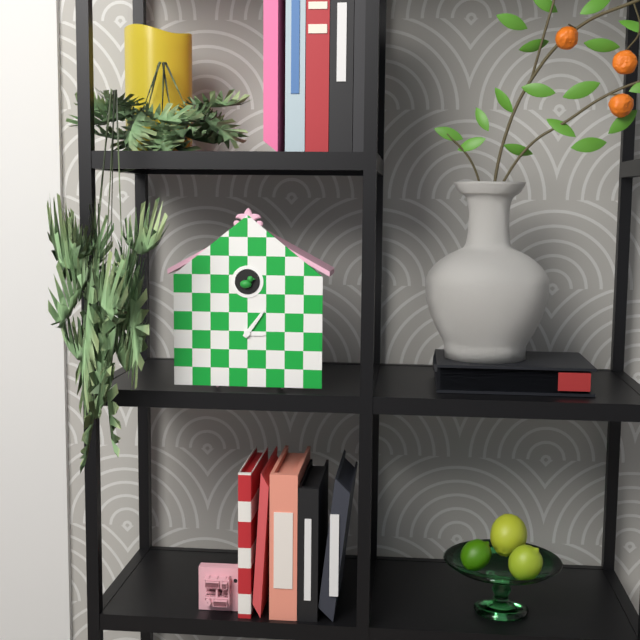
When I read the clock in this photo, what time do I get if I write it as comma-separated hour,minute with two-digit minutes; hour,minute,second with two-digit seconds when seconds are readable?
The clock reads 3,06
